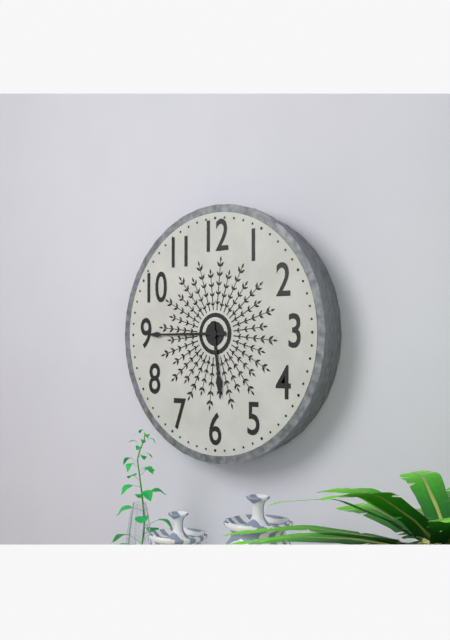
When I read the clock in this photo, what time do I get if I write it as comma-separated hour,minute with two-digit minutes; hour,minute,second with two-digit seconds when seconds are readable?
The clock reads 5,45
